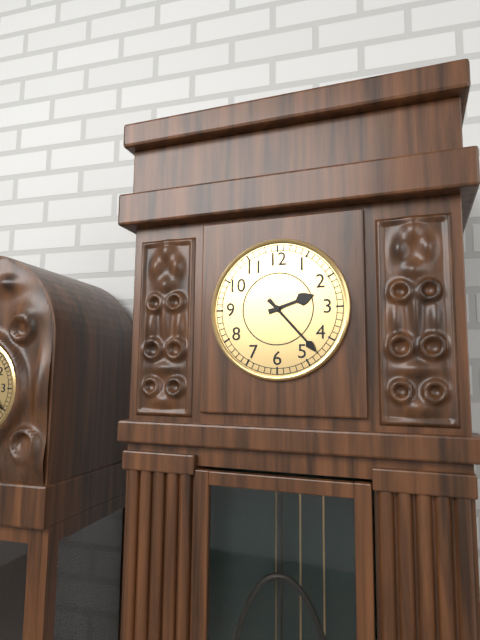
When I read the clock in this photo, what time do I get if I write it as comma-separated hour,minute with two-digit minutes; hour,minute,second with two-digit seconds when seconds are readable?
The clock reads 2,23
